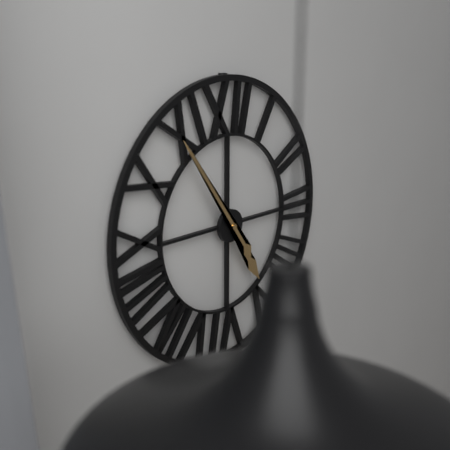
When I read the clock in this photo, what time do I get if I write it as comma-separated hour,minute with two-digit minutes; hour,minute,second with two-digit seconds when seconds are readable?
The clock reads 4,54
